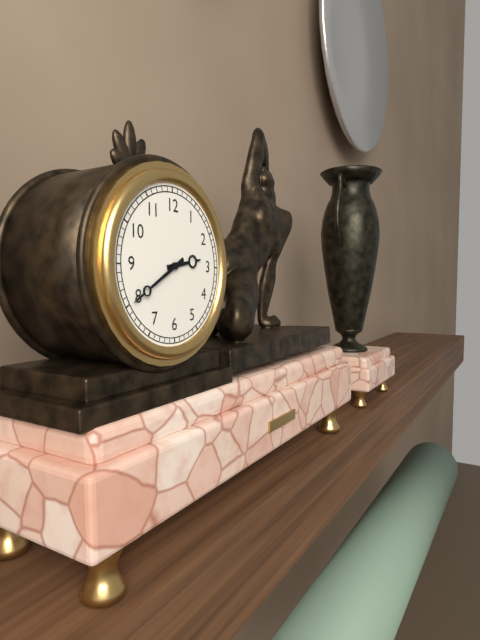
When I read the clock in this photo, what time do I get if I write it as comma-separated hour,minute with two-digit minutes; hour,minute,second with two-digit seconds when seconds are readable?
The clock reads 2,40
